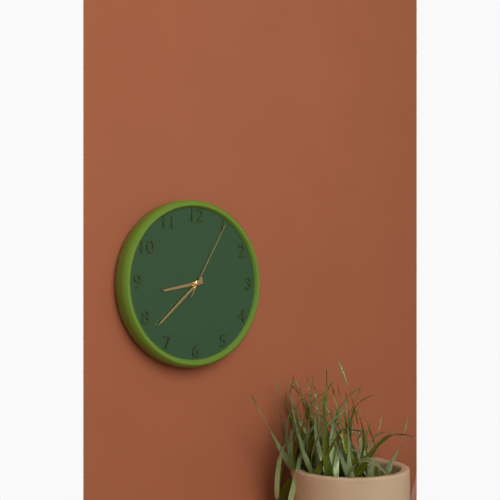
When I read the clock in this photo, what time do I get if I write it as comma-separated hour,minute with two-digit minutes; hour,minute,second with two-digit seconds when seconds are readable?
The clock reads 8,38,05
